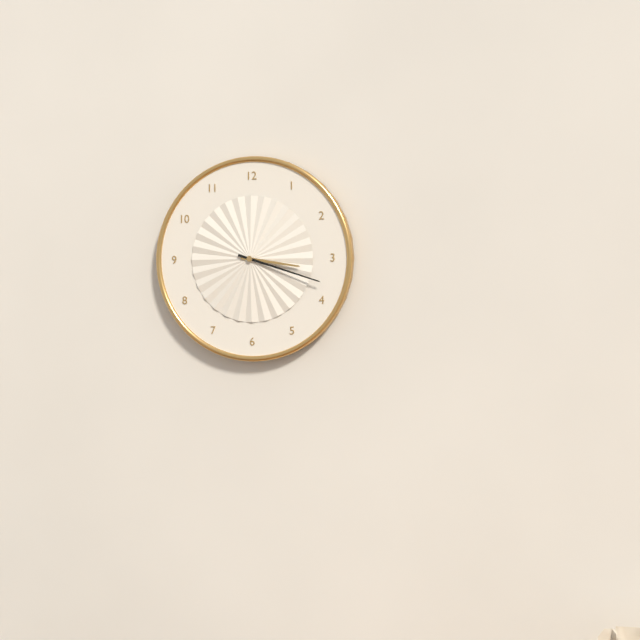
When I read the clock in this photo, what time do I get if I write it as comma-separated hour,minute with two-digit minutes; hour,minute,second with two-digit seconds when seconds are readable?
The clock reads 3,18
